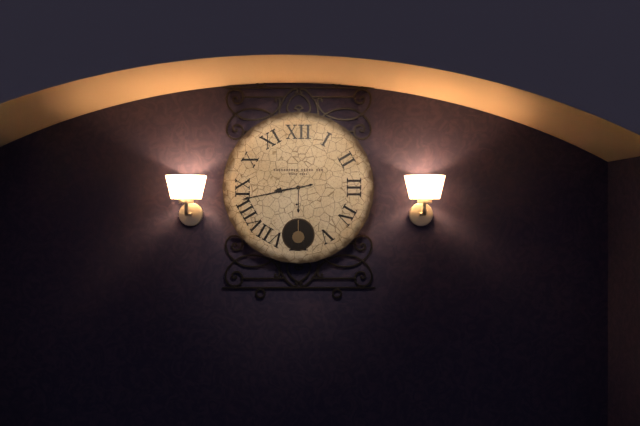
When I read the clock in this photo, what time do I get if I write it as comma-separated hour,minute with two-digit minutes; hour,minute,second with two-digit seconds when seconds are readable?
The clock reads 8,43
